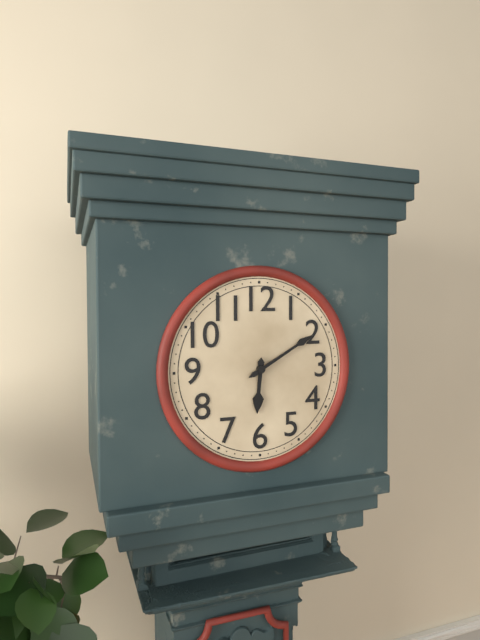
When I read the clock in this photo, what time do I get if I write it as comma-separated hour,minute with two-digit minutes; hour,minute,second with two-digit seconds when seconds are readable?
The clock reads 6,10
